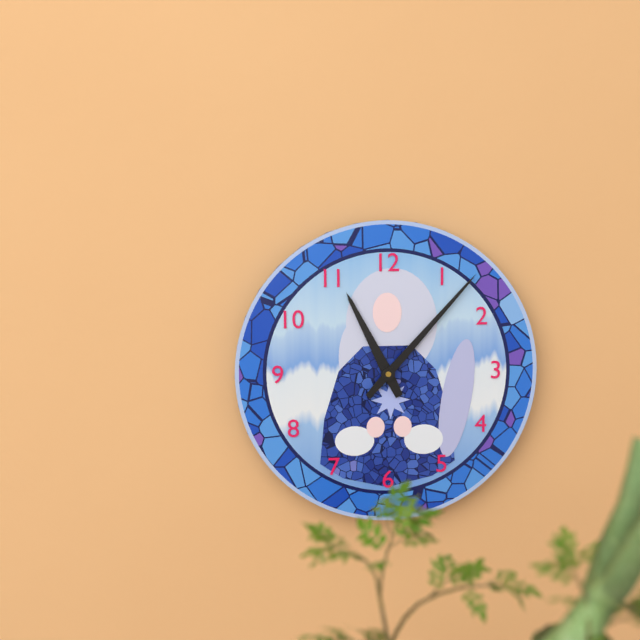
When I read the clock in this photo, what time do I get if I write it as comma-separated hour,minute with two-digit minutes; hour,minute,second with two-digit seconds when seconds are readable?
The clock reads 11,07
